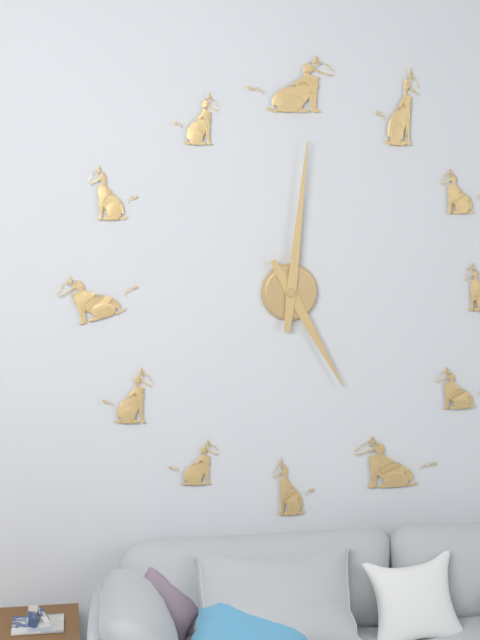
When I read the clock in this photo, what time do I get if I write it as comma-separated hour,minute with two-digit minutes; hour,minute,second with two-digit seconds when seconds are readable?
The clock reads 5,01
